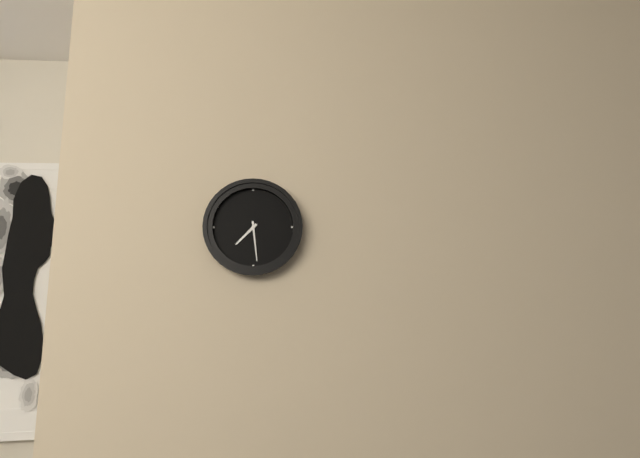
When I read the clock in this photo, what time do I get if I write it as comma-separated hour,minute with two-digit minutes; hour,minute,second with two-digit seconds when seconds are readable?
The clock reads 7,29
